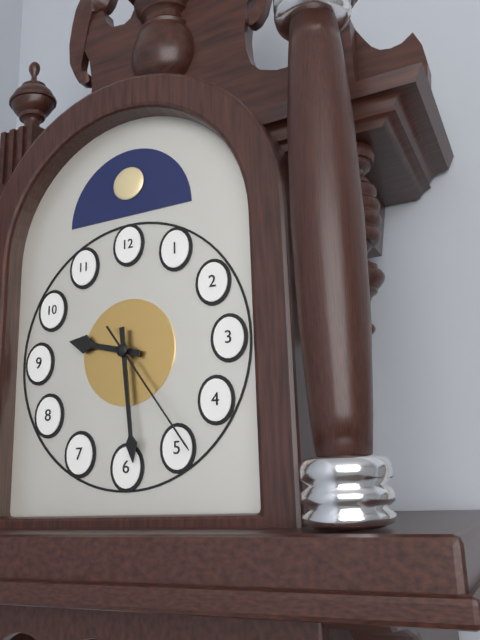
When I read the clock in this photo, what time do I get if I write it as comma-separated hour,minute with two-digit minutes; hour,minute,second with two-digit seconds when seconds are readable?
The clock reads 9,29,24
